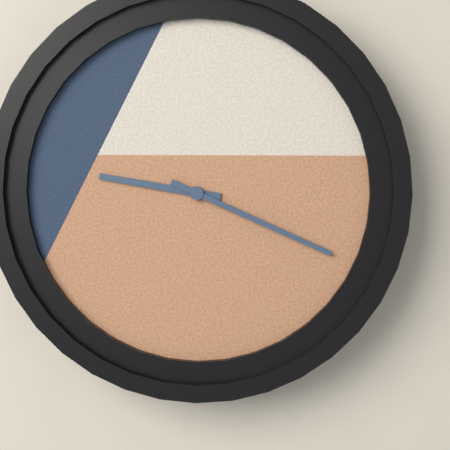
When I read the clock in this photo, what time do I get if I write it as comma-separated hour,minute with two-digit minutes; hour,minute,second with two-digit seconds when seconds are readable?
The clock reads 9,19
